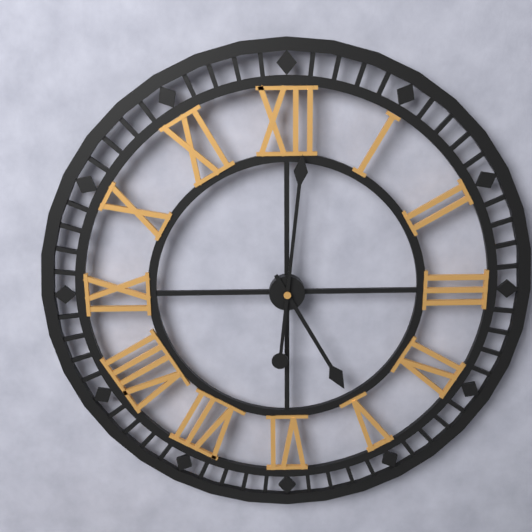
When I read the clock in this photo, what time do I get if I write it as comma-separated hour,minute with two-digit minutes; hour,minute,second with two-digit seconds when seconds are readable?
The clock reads 5,01
